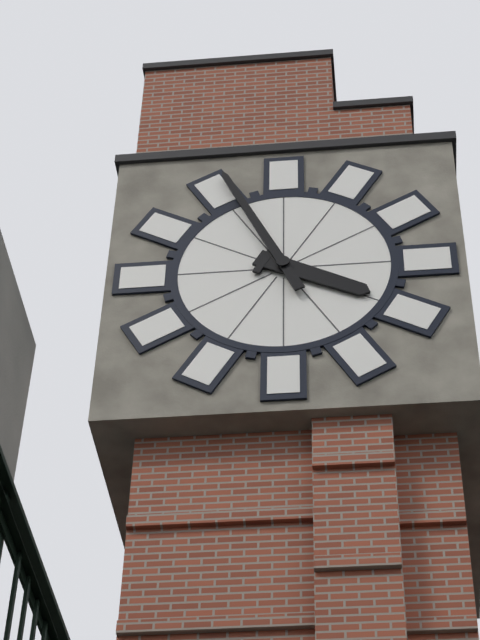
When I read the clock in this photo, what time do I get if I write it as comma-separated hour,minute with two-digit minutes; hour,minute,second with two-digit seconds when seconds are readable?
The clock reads 3,56
